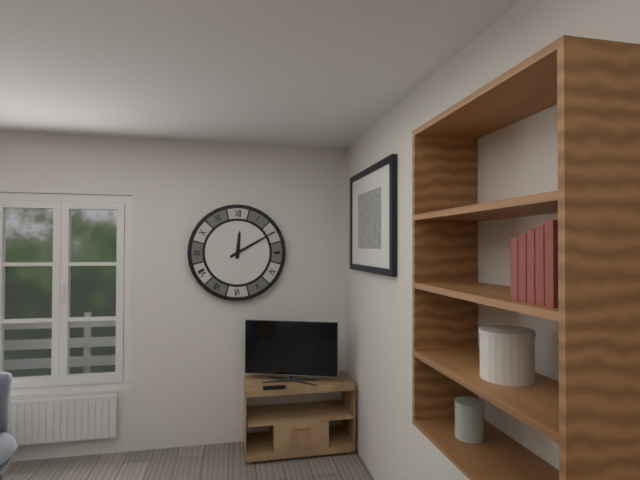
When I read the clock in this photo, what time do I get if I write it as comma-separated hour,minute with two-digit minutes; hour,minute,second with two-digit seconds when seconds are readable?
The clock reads 12,10
